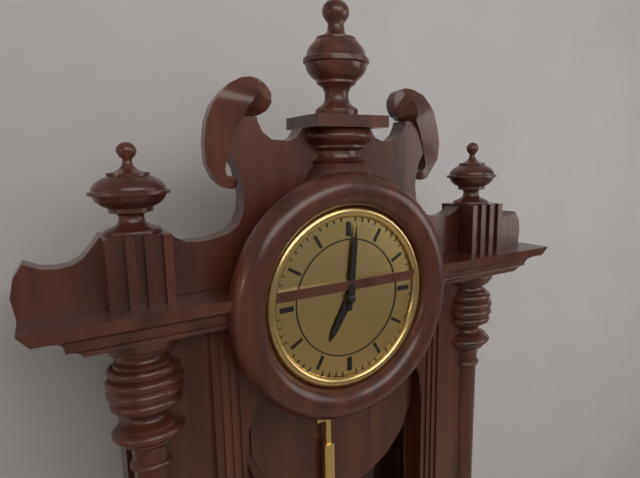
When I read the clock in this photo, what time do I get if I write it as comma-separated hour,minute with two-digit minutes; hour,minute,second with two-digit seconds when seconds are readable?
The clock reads 7,01
